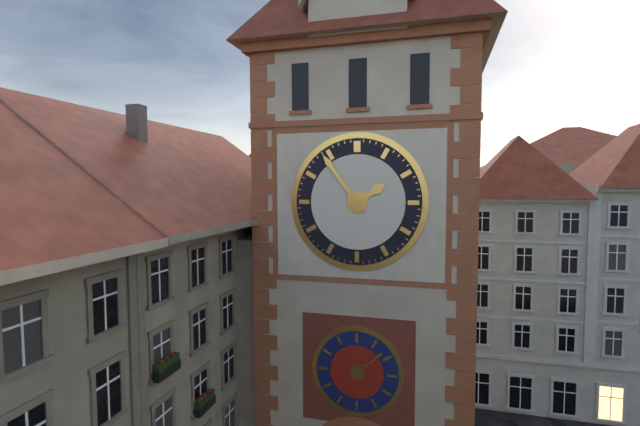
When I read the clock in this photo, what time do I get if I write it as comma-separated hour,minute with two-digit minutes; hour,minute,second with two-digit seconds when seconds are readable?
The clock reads 1,54
